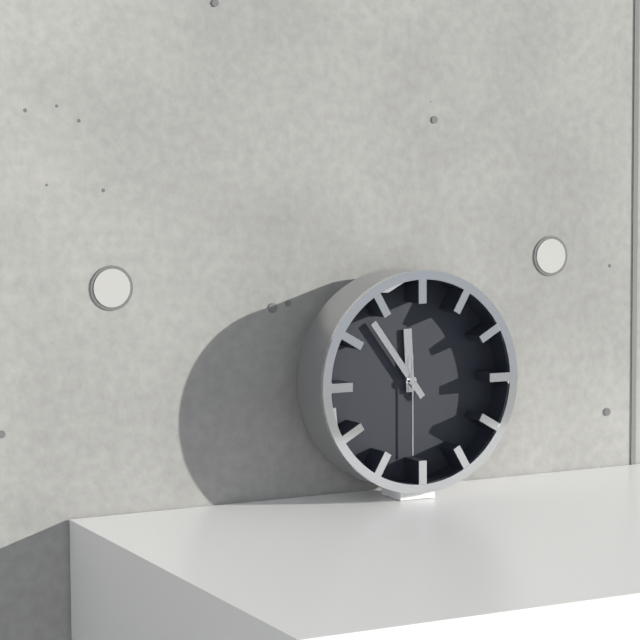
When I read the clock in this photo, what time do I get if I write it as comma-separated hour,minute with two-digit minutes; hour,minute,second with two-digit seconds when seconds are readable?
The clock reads 11,54,30
